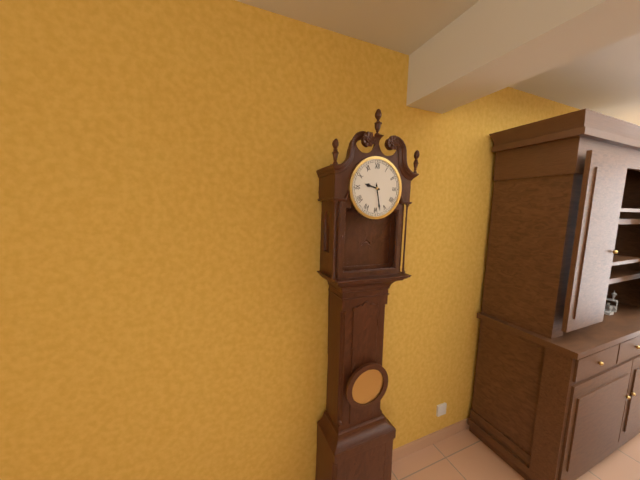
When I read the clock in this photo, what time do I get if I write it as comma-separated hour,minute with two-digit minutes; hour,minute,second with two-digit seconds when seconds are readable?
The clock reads 9,28
